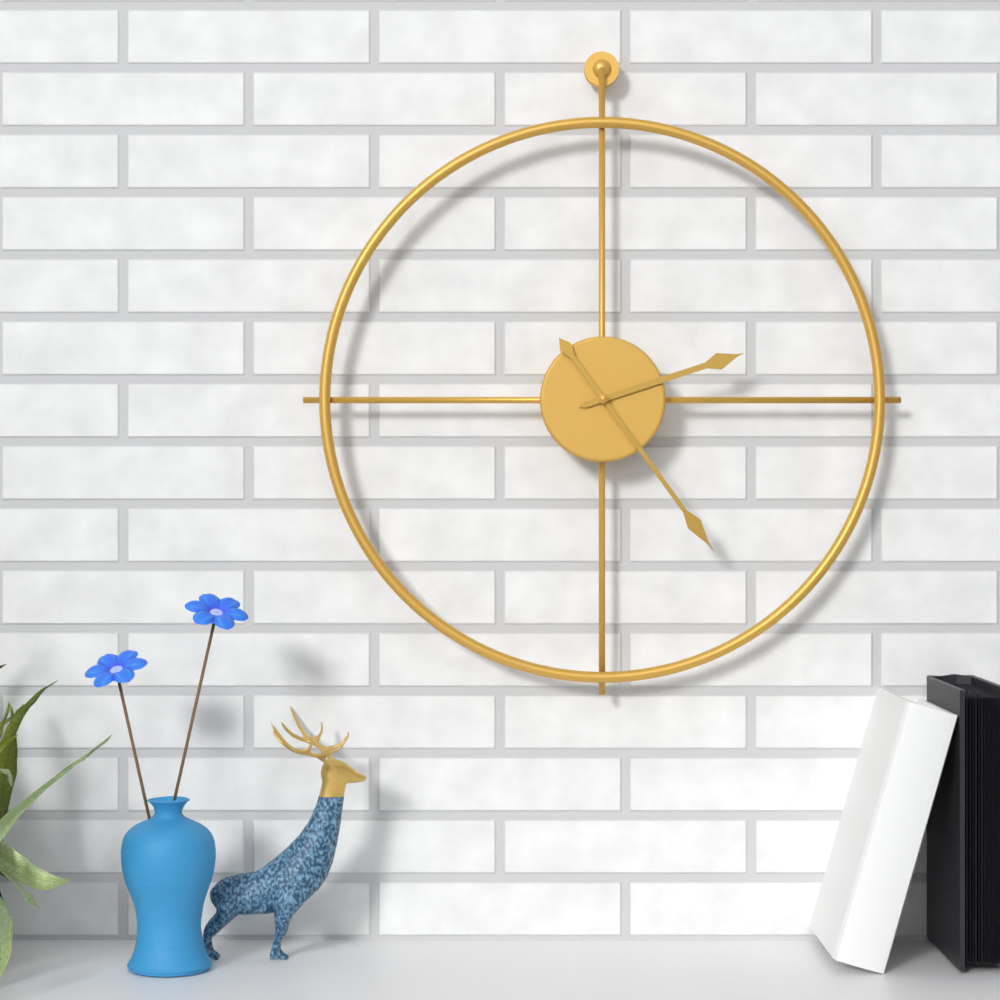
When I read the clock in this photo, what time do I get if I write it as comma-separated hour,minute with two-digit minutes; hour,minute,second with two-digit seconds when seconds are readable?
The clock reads 2,24
